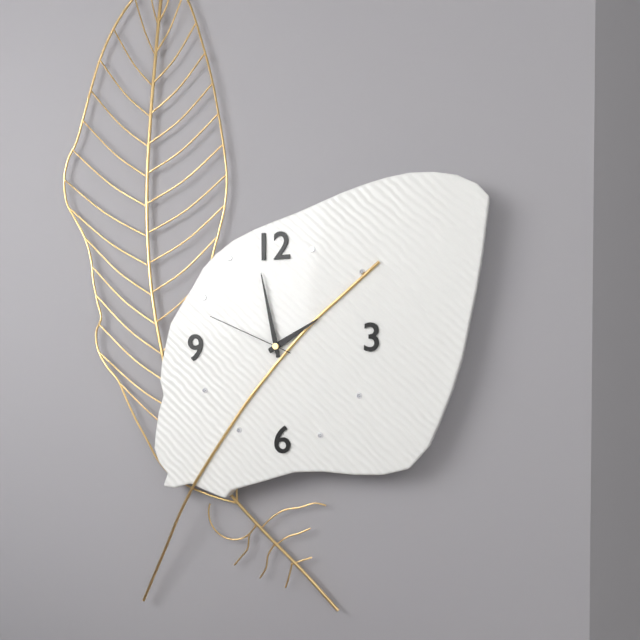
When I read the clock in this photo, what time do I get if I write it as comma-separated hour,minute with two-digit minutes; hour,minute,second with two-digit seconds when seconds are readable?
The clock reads 1,58,49
